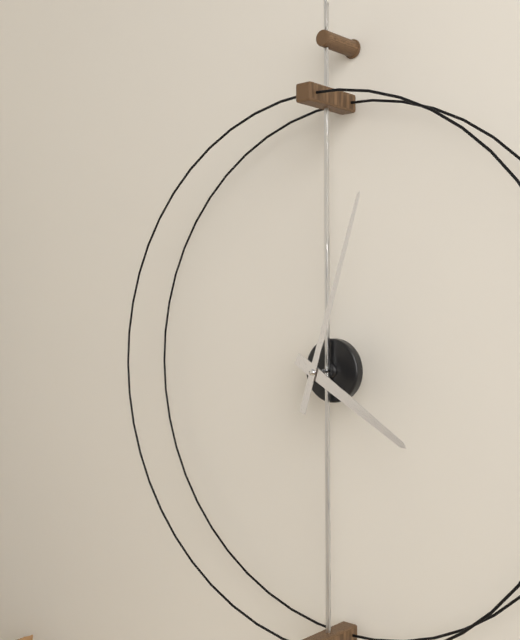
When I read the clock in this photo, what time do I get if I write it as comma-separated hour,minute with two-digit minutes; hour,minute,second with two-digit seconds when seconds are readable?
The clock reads 4,03
